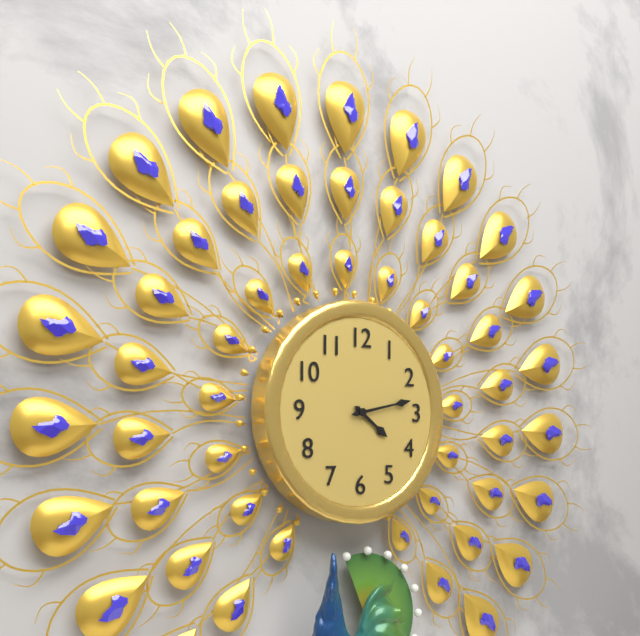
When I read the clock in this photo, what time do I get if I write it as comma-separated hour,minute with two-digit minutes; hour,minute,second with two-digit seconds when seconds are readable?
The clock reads 4,13
